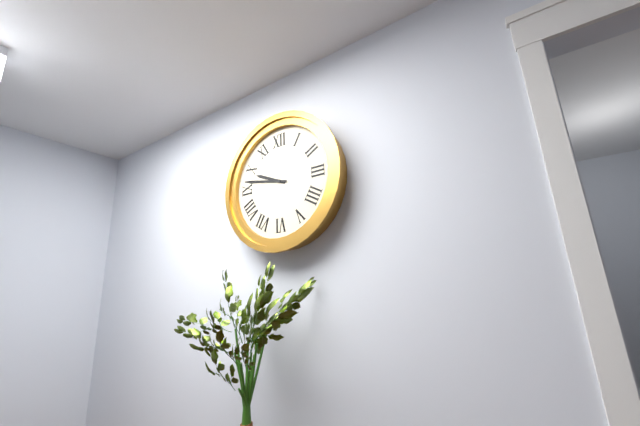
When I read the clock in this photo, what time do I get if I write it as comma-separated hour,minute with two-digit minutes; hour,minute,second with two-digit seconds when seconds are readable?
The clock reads 9,47
